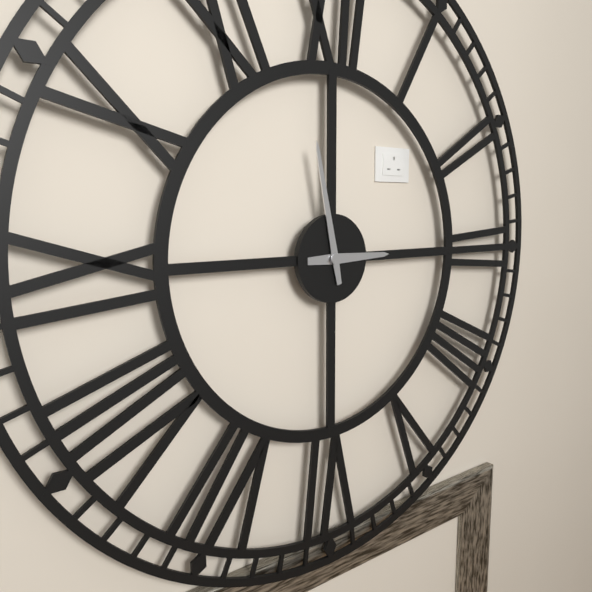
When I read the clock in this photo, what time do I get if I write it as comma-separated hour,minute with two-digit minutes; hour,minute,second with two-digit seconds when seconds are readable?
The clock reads 2,58
